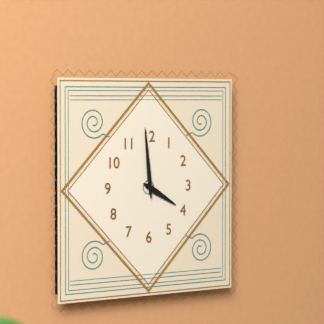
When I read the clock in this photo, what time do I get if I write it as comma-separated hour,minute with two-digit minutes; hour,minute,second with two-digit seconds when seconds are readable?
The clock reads 3,59
